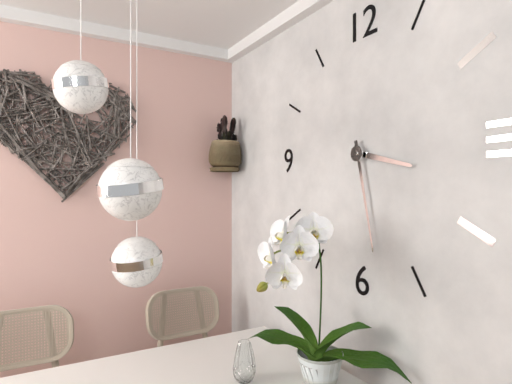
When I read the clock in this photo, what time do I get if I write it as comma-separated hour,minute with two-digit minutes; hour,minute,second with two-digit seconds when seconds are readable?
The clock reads 3,28
